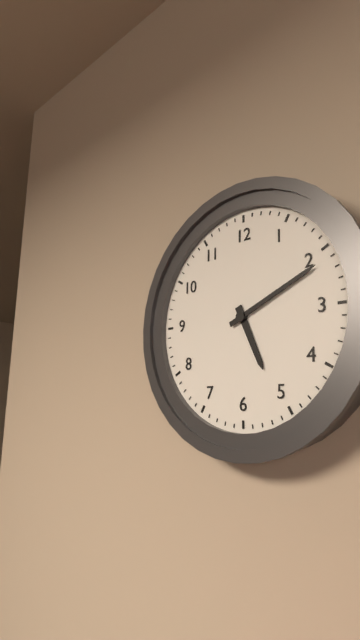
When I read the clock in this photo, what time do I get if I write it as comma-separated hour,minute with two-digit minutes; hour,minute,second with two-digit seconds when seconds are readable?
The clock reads 5,11
